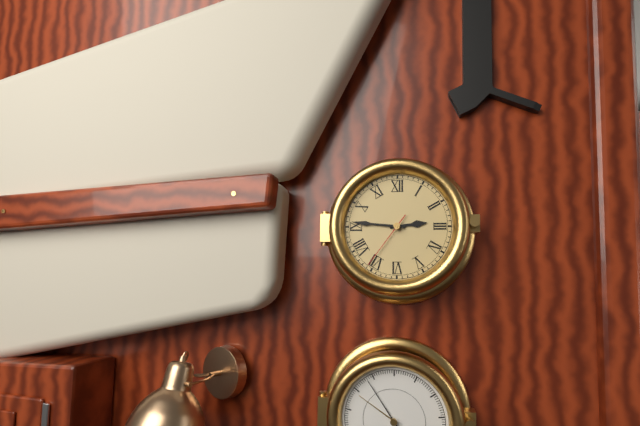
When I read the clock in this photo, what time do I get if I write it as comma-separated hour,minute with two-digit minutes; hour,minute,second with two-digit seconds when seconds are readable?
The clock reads 2,46,36
